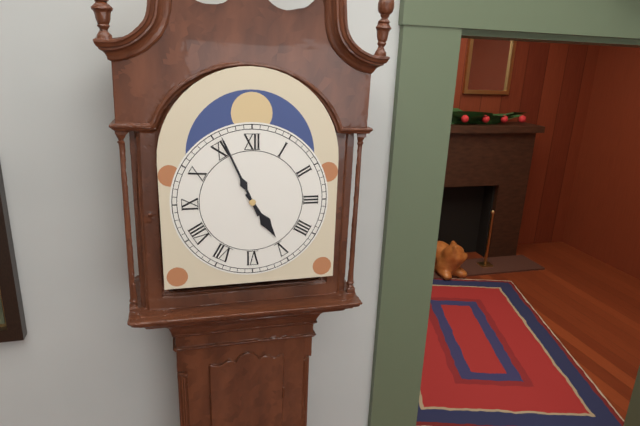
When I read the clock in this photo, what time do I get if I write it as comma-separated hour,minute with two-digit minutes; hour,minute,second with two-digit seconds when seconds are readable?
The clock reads 4,56
